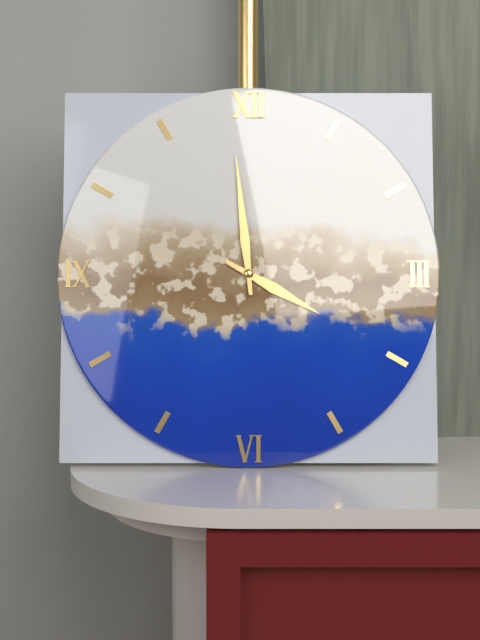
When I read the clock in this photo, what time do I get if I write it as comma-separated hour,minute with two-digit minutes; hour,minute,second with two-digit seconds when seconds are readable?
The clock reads 3,59
